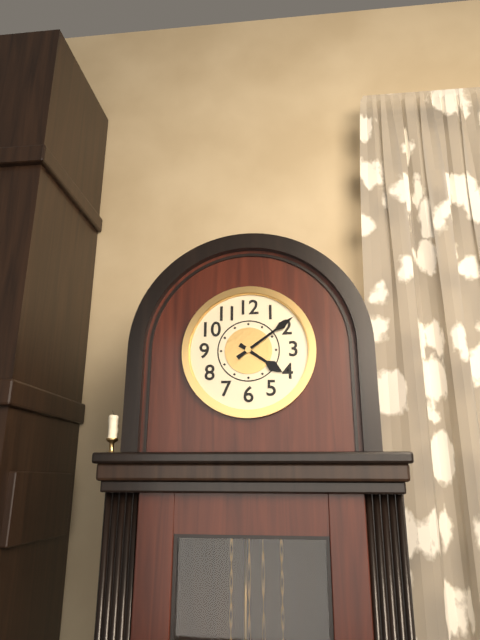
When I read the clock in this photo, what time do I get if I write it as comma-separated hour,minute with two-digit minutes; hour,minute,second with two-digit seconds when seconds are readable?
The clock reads 4,09
